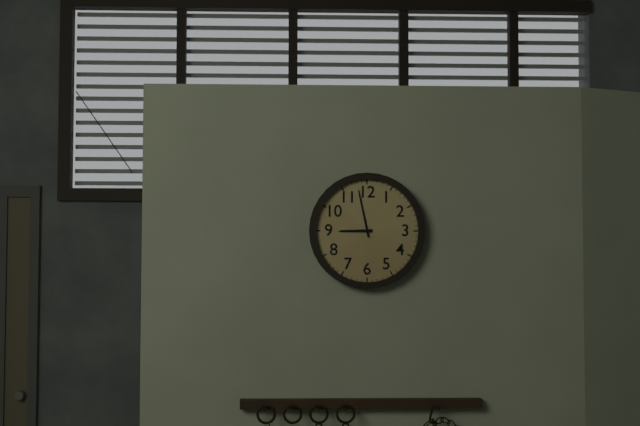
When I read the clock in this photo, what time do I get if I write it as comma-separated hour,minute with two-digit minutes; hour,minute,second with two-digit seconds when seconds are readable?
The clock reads 8,58
